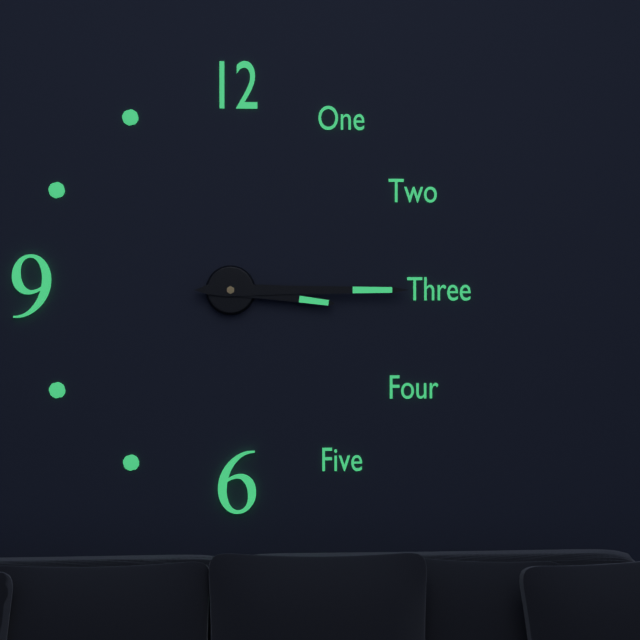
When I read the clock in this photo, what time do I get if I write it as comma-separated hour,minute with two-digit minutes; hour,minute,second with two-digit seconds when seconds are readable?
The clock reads 3,15
